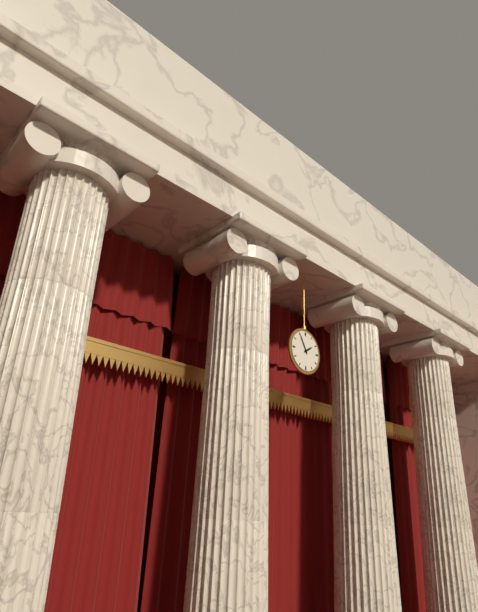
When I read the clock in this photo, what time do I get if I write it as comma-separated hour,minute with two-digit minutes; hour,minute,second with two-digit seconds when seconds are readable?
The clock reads 1,55
